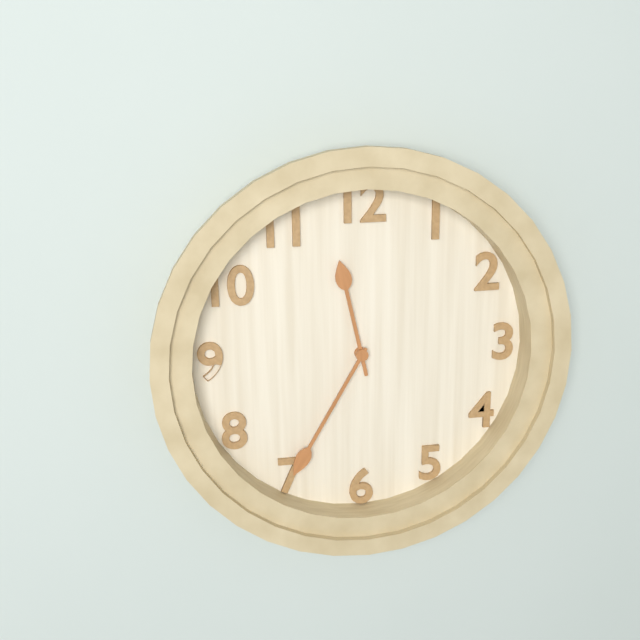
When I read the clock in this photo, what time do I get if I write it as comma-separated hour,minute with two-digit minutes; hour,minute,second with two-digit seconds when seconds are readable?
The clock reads 11,35
